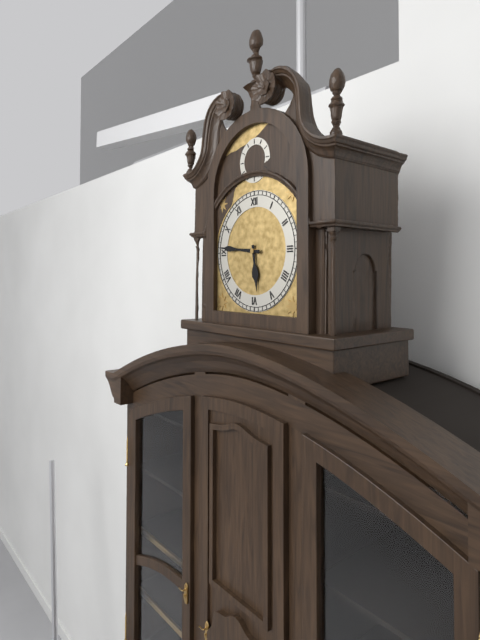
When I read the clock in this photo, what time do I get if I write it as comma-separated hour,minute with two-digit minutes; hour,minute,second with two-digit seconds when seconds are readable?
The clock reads 5,46
